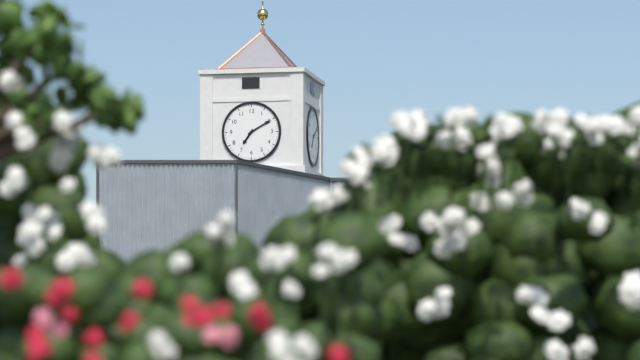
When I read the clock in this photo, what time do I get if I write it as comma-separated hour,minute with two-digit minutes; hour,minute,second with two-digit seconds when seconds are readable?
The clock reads 7,10
